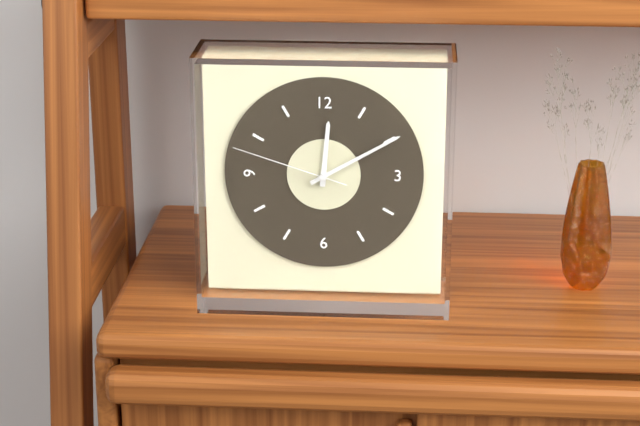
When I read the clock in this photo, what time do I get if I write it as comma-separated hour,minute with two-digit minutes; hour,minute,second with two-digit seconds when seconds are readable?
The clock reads 12,10,48
